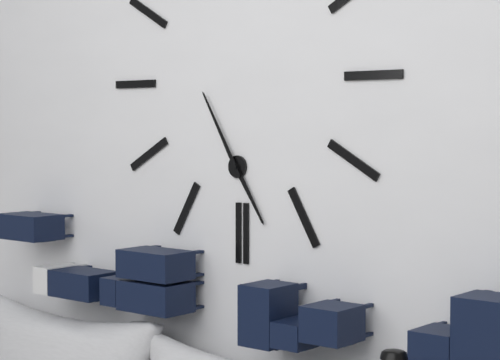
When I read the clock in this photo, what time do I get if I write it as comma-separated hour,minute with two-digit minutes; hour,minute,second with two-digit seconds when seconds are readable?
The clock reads 4,55
